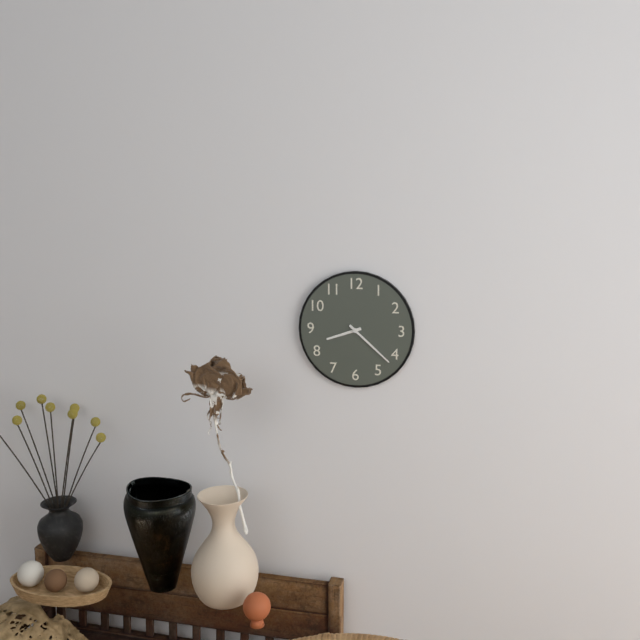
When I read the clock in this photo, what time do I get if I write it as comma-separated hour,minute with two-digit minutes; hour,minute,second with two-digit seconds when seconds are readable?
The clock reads 8,22
